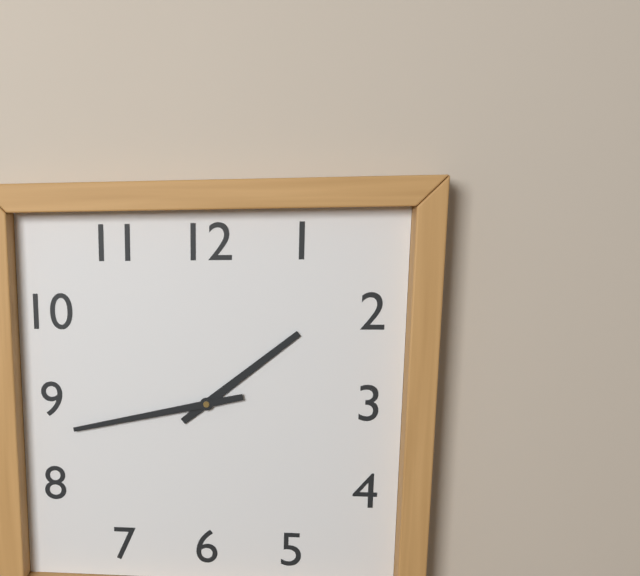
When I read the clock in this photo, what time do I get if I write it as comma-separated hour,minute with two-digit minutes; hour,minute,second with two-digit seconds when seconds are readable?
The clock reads 1,43
